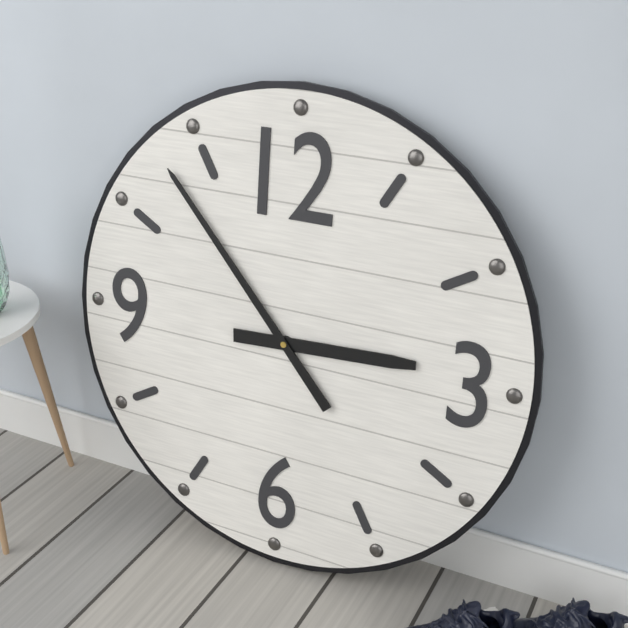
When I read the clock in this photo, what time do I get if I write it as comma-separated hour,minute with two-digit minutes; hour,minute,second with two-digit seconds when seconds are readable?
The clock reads 2,53
